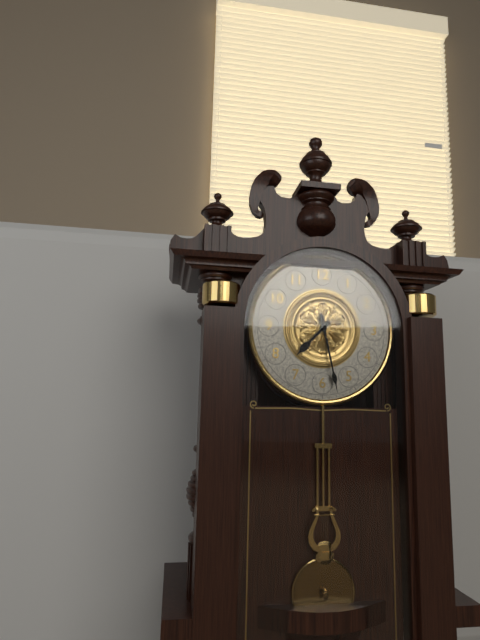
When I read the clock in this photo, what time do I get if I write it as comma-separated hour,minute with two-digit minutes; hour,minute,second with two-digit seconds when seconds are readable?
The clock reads 7,28
